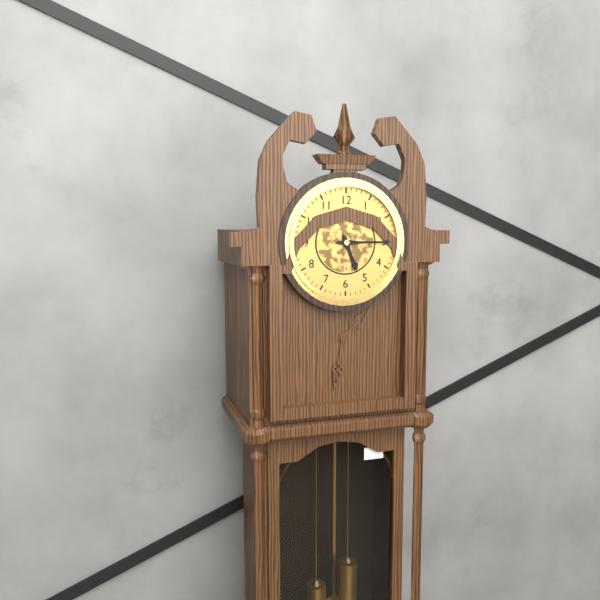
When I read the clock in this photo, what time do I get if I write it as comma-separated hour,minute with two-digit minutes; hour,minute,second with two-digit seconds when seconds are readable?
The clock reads 5,15
